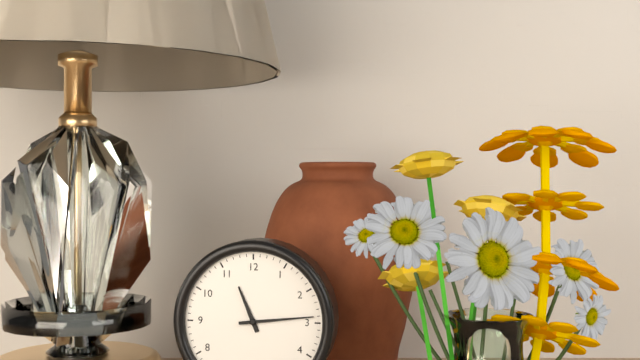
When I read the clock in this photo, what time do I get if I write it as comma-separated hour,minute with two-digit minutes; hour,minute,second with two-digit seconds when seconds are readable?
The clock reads 11,14
